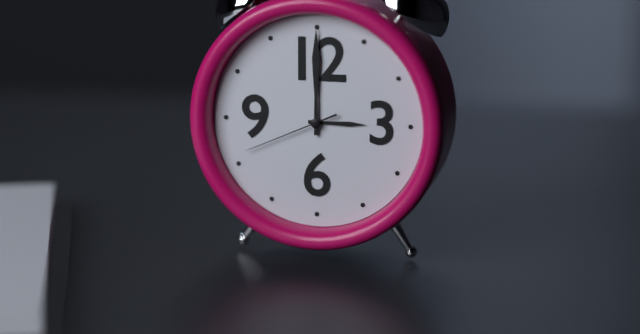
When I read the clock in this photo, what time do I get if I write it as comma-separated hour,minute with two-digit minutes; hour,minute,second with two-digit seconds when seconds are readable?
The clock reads 3,00,41
